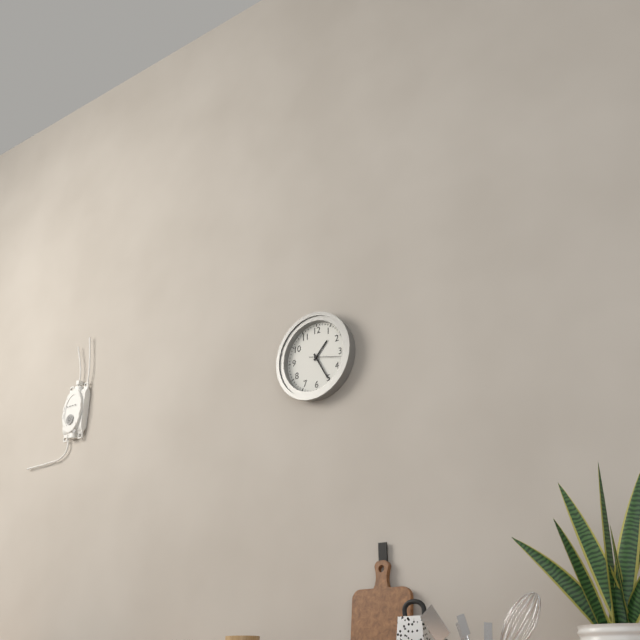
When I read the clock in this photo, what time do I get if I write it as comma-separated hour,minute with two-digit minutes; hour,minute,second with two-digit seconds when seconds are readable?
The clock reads 1,25
